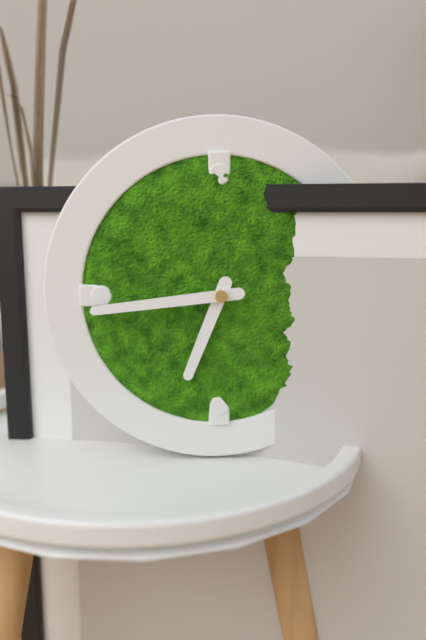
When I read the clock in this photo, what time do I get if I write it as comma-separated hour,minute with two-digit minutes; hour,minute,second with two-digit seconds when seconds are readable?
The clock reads 6,44
